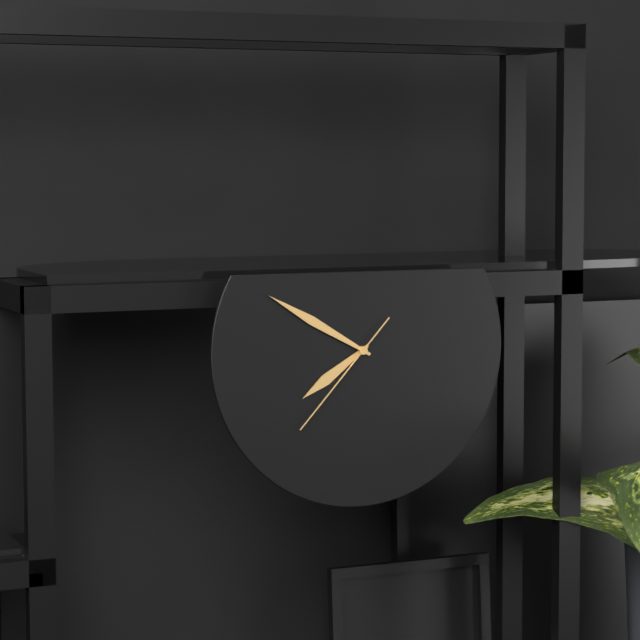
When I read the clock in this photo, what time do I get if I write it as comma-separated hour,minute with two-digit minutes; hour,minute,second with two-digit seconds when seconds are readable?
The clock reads 7,50,37
